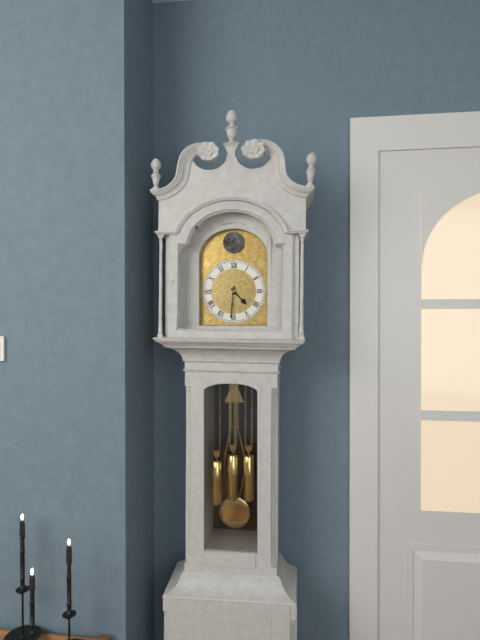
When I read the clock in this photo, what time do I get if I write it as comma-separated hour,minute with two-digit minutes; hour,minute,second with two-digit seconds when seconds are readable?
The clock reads 4,31
